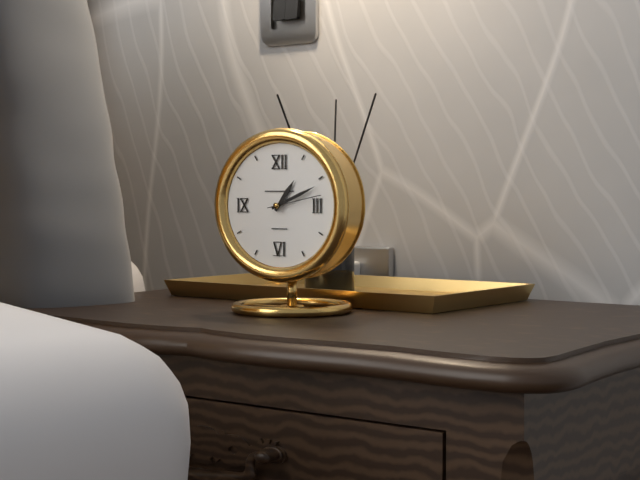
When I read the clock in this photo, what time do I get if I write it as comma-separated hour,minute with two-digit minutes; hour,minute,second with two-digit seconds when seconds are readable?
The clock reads 1,11,13
